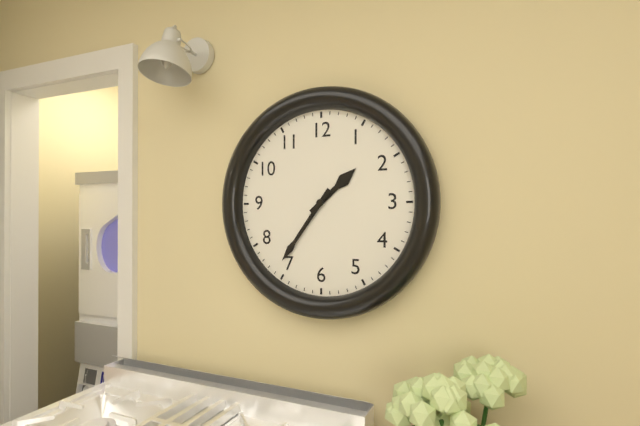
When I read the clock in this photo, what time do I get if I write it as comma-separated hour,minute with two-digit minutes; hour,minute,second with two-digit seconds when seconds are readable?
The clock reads 1,36
